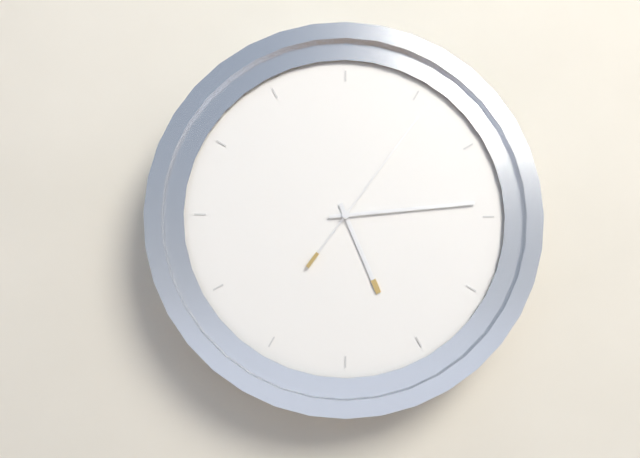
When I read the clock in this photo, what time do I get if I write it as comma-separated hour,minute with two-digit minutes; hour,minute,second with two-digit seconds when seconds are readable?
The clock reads 5,14,06
